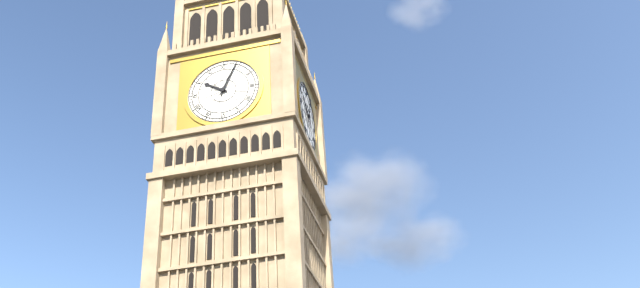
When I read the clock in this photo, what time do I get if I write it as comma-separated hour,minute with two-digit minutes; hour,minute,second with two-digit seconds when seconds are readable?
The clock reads 10,04
